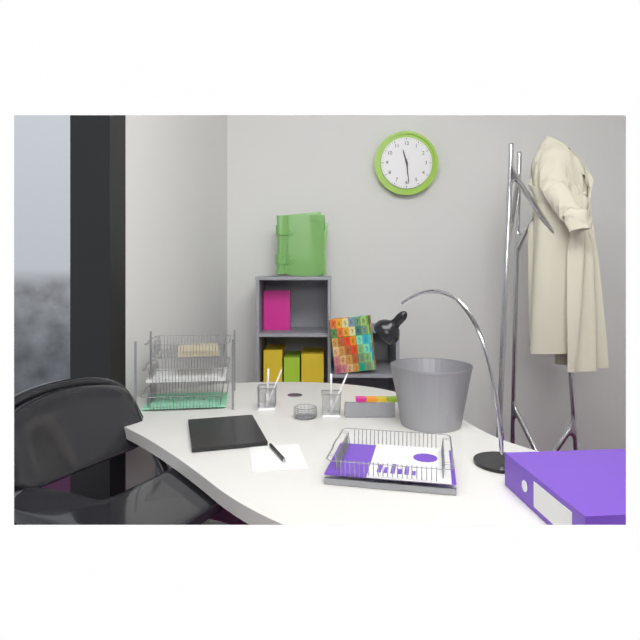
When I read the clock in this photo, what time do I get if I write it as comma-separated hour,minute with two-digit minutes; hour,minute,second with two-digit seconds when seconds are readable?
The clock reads 11,29
